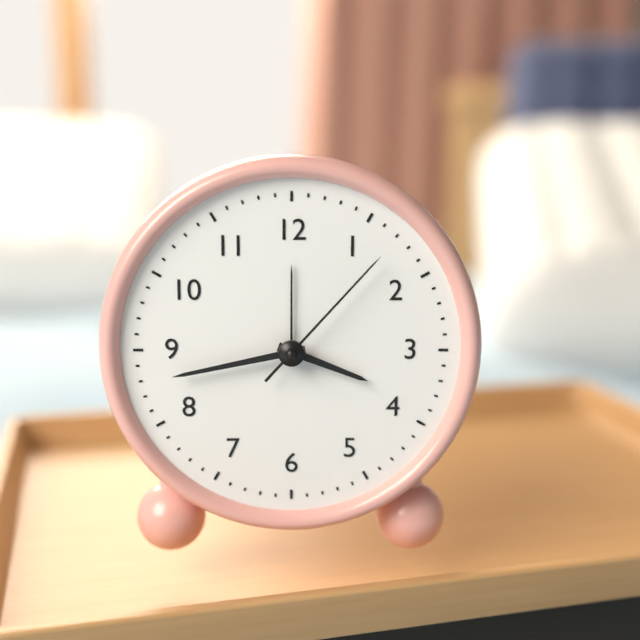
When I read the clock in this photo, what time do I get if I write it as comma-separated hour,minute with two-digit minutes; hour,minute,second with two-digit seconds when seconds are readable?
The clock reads 3,43,07
